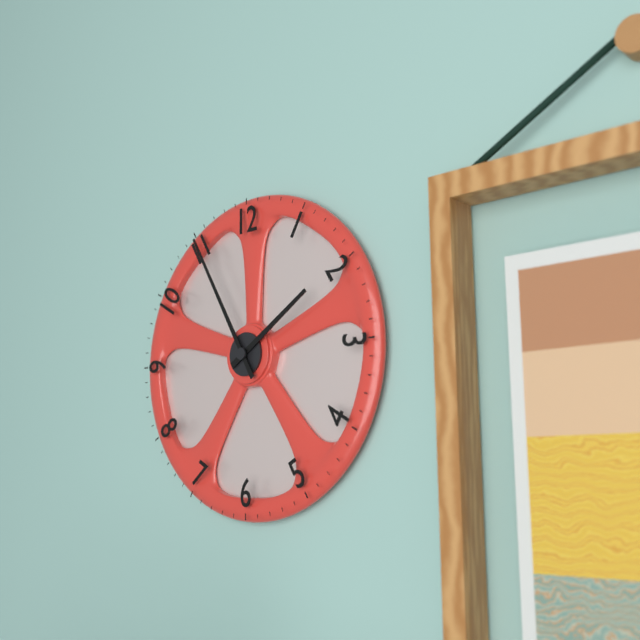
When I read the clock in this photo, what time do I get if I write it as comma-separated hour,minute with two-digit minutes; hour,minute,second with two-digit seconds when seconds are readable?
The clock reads 1,55
